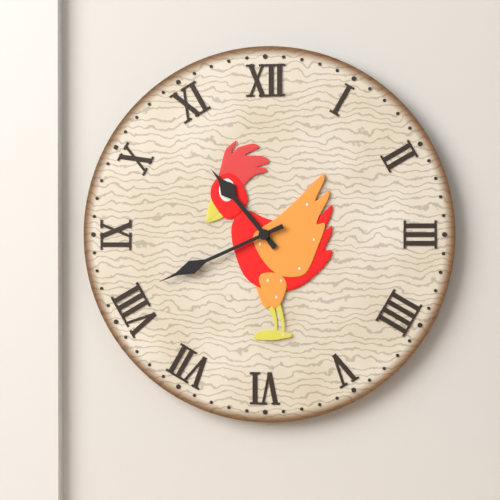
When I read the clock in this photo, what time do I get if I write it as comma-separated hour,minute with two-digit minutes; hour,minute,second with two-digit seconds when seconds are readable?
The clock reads 10,41
